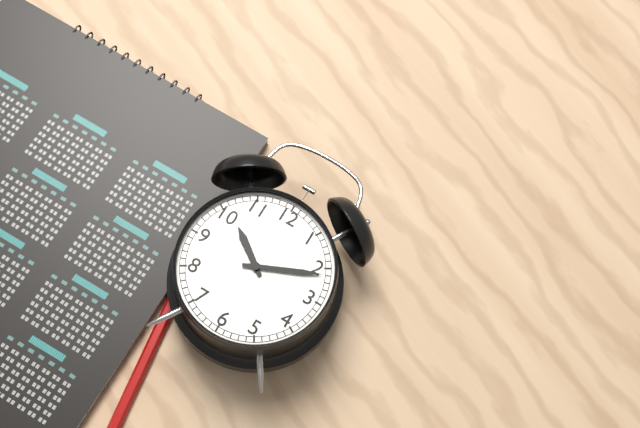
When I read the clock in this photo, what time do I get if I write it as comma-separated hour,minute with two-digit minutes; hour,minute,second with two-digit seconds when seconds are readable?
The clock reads 10,11
